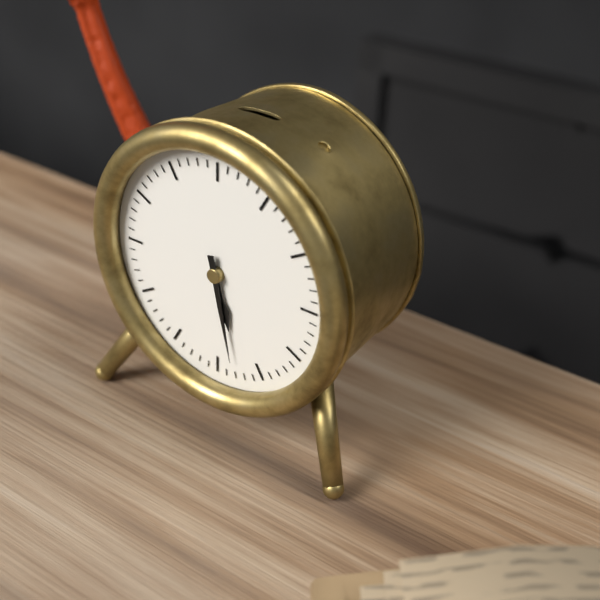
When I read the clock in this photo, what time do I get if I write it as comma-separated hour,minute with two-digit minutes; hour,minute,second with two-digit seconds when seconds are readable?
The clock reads 5,28
